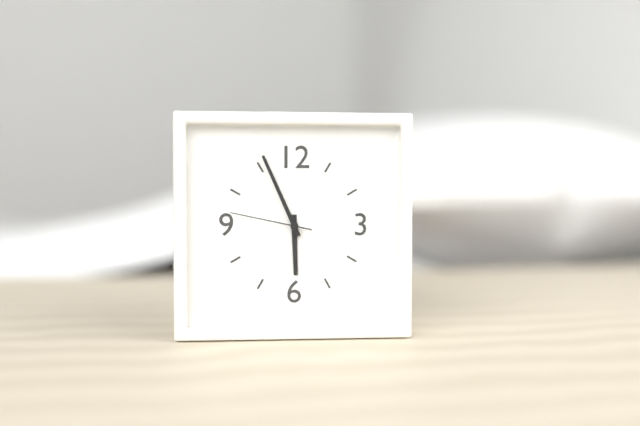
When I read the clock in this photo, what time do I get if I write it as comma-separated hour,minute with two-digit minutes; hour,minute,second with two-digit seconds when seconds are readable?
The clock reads 5,56,47
